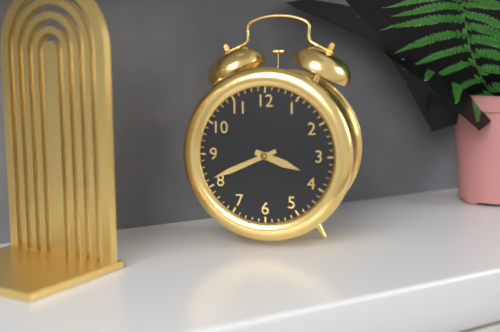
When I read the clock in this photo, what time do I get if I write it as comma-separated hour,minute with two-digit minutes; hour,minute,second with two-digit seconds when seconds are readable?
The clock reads 3,41
